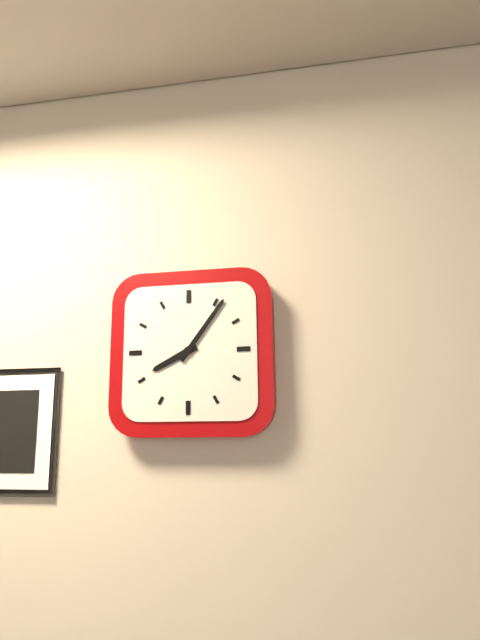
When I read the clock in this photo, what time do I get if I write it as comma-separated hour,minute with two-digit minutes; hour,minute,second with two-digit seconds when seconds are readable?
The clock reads 8,06
